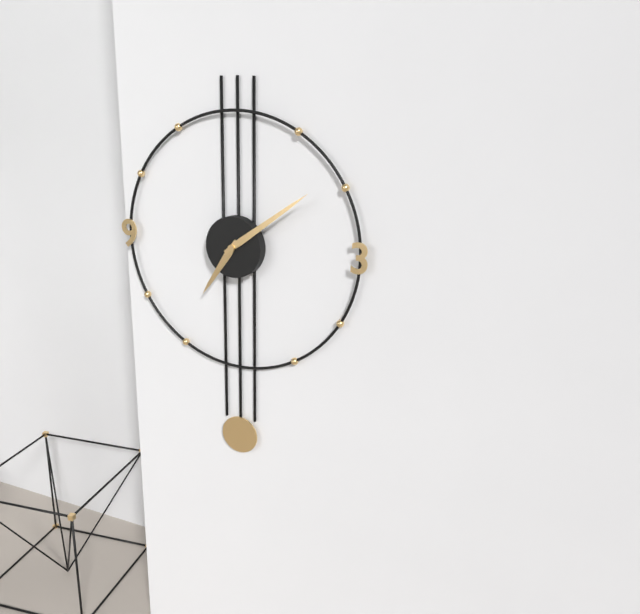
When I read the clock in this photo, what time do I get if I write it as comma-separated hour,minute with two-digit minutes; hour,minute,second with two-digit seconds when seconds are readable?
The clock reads 7,09
